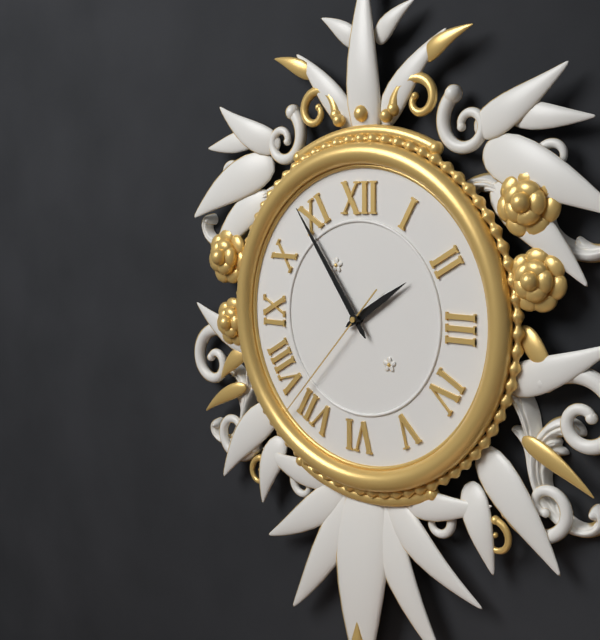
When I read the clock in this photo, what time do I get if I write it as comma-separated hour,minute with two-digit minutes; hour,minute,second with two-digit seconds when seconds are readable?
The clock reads 1,54,37
